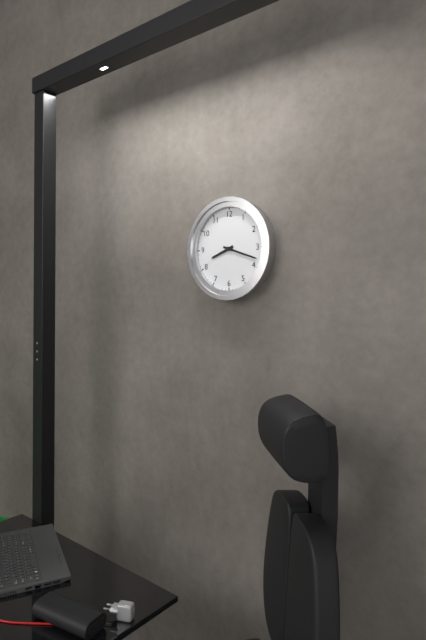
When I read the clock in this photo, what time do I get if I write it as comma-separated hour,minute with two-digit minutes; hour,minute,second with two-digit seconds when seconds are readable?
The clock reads 8,18
